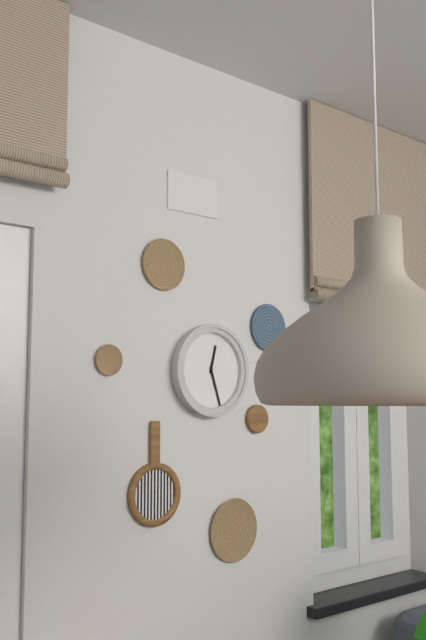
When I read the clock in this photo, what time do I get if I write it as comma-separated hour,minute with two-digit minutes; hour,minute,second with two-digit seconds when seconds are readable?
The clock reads 12,27
